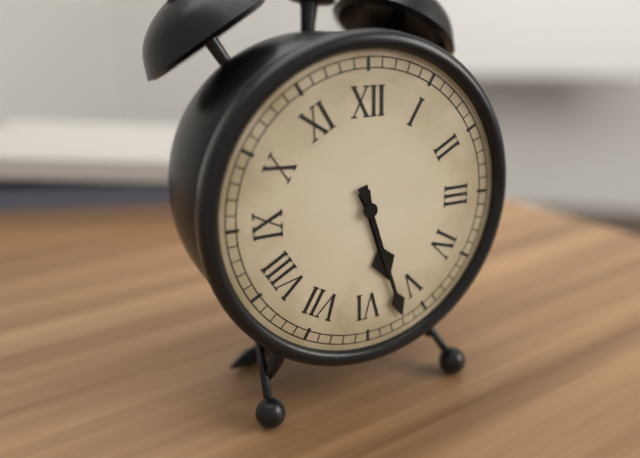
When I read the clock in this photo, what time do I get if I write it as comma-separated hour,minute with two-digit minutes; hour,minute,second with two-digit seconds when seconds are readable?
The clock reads 5,27
